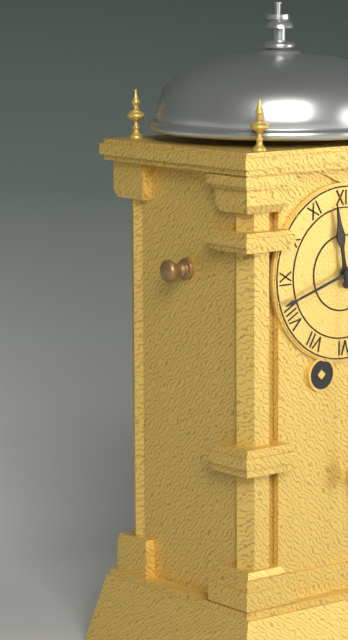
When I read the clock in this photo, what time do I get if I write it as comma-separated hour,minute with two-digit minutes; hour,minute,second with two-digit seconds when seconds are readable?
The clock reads 11,42
